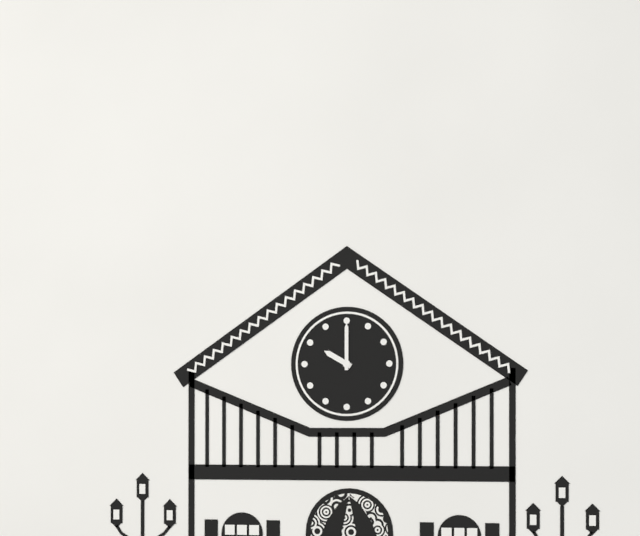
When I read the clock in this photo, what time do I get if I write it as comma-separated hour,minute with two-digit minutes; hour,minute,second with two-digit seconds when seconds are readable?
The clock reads 10,00
